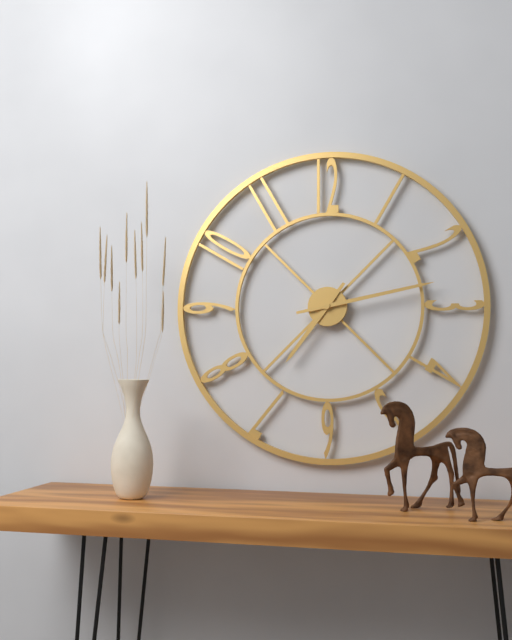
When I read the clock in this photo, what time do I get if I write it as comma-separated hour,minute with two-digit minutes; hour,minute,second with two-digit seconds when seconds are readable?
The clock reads 7,13
